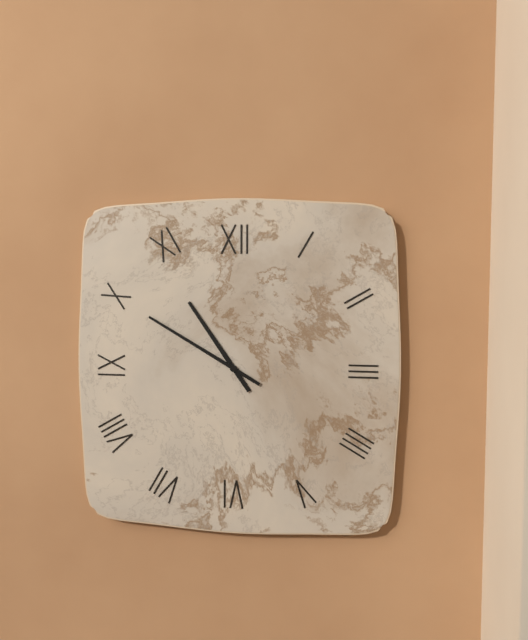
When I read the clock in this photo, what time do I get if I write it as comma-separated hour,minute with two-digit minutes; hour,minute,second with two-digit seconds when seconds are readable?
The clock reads 10,50
